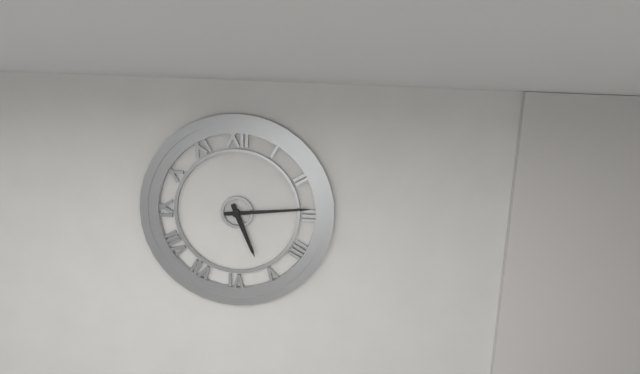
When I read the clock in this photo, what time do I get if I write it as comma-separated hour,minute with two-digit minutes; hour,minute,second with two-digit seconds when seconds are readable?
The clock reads 5,14
